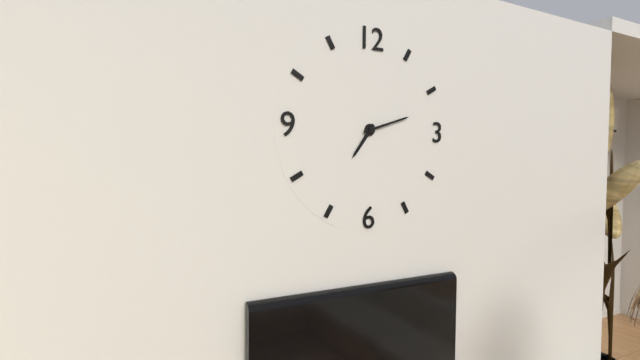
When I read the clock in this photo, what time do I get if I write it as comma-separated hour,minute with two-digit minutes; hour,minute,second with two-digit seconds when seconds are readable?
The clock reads 7,12
